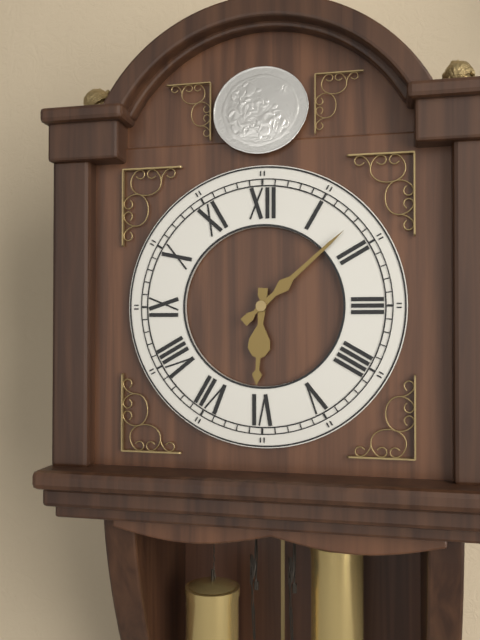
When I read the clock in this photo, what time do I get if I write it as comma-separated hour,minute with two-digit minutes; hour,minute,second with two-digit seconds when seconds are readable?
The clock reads 6,08
